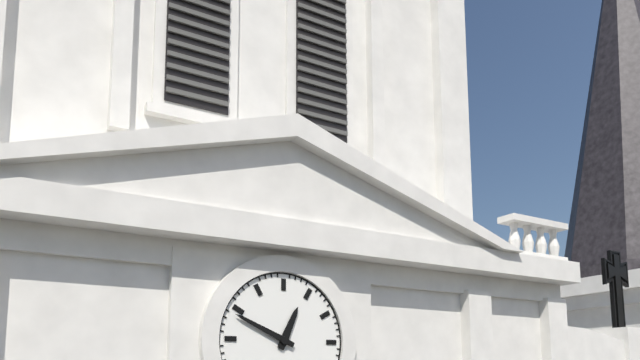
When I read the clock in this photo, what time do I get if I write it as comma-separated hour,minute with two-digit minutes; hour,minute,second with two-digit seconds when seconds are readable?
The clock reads 12,49
